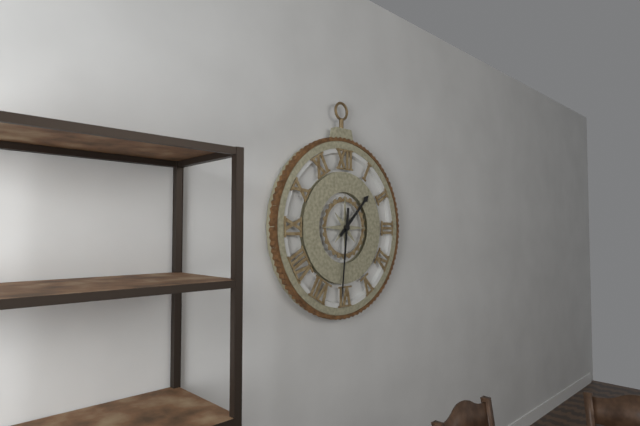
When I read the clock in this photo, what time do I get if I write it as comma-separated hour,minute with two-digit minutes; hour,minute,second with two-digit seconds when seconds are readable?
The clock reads 1,31
